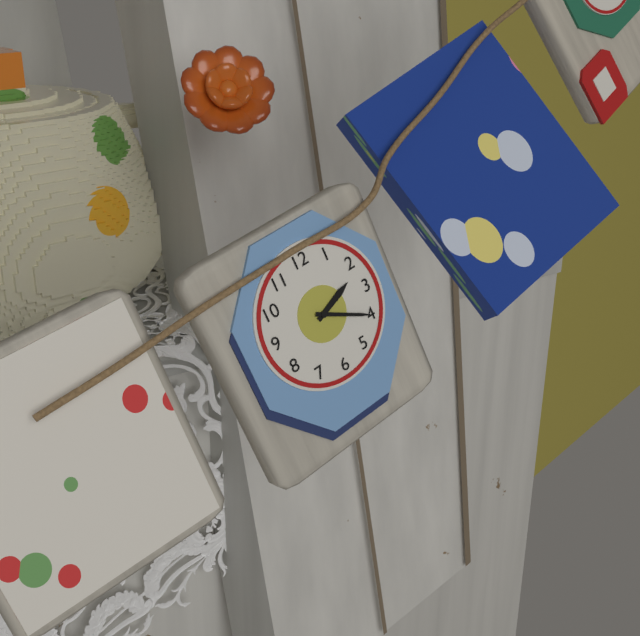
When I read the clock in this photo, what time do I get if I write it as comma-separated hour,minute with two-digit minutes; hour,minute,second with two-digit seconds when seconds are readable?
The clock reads 2,20
